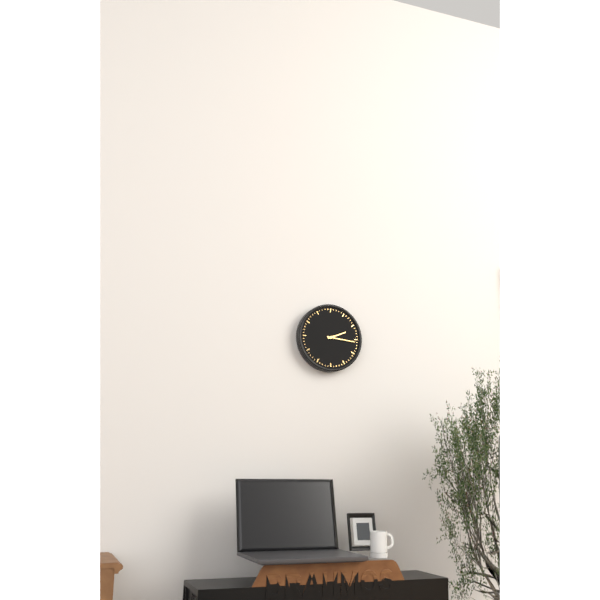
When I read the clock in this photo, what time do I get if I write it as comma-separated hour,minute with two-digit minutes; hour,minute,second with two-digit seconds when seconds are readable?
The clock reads 2,16
